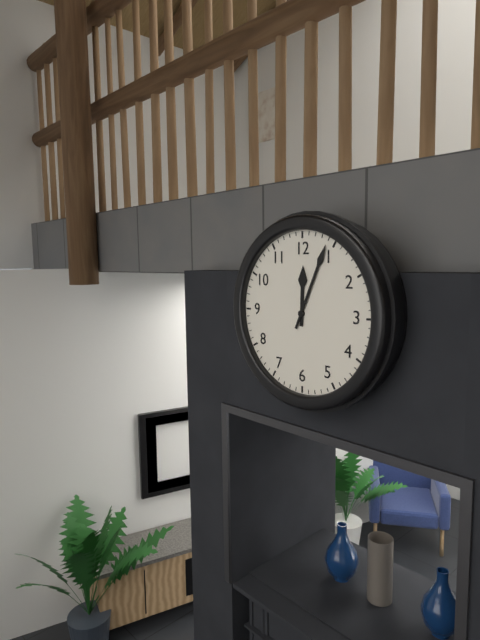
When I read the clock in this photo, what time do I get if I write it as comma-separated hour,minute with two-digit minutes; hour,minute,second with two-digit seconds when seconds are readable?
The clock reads 12,04
